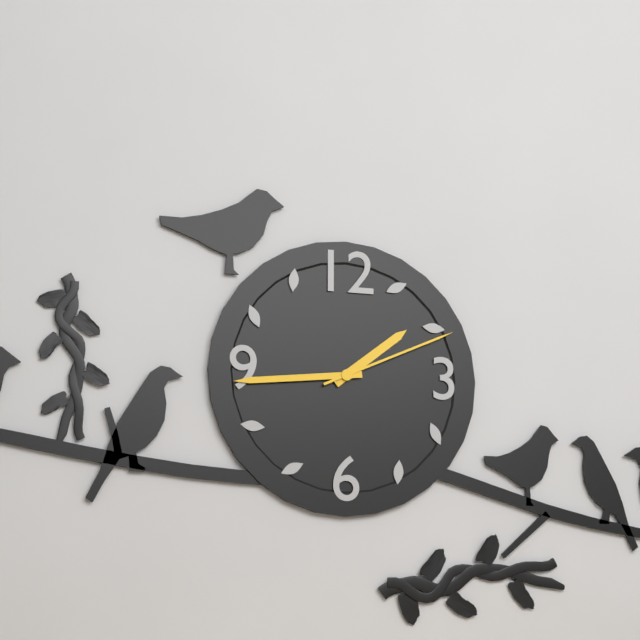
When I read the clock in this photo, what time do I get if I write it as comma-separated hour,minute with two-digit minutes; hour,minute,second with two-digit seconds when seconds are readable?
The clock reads 1,44,11
